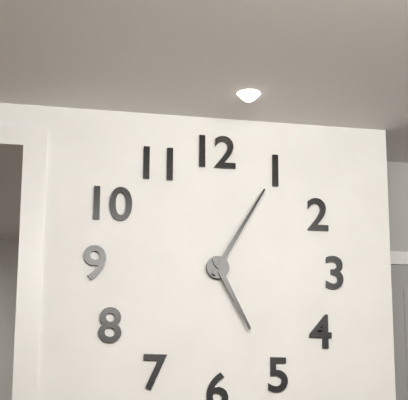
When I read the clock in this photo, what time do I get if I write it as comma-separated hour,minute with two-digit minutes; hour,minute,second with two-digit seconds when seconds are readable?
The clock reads 5,05
